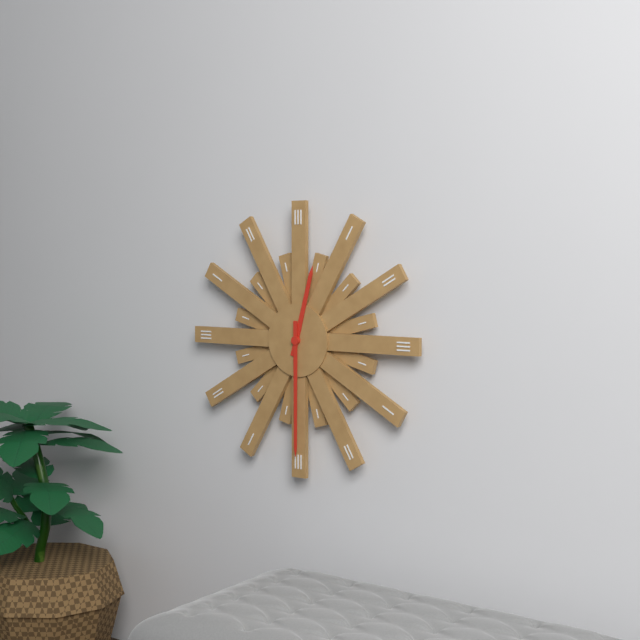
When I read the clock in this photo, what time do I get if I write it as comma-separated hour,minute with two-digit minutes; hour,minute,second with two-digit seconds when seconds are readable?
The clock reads 12,30
